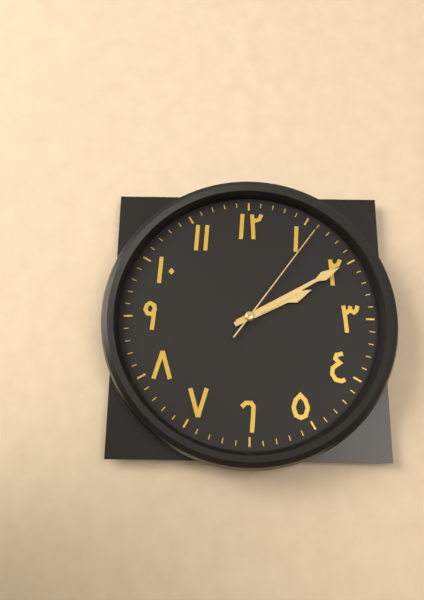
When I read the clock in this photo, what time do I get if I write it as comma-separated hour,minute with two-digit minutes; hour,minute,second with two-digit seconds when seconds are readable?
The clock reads 2,10,06
